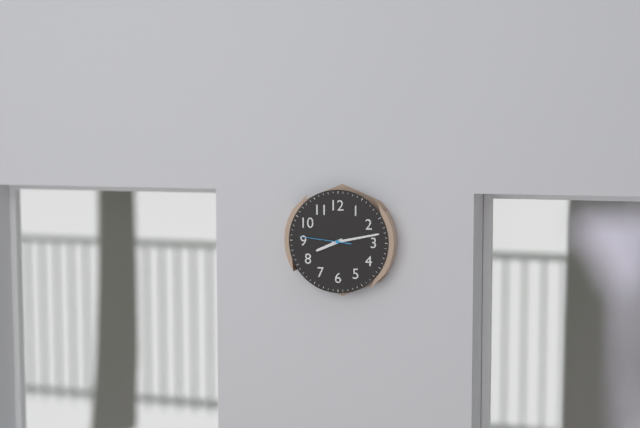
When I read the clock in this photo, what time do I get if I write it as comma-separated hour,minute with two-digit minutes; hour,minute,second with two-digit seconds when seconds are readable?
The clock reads 8,13
